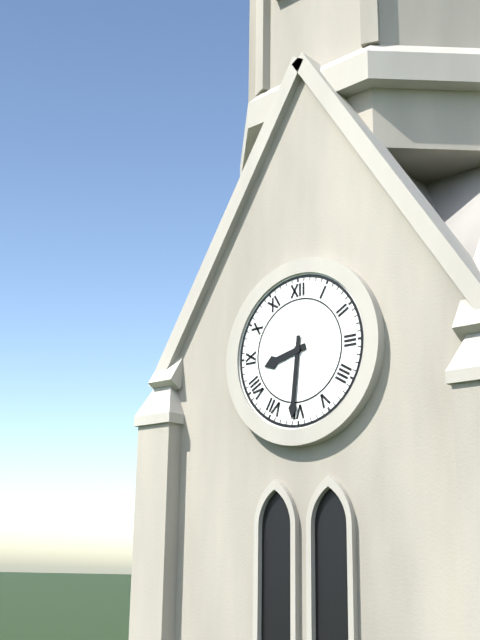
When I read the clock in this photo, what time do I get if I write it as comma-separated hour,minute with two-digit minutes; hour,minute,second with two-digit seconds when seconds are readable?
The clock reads 8,31
